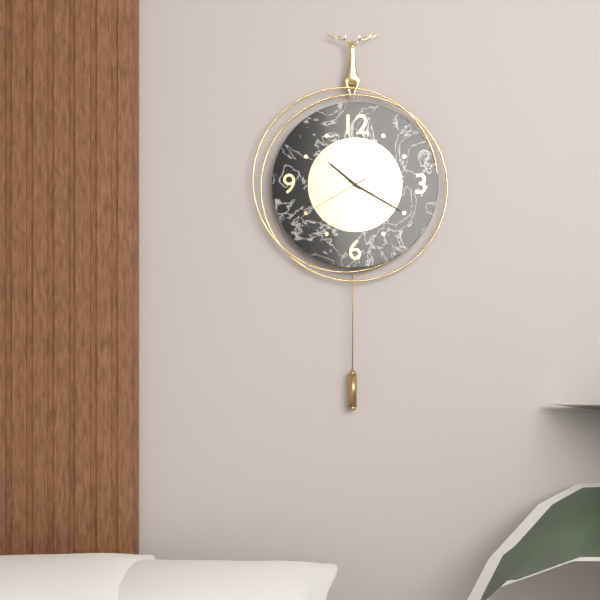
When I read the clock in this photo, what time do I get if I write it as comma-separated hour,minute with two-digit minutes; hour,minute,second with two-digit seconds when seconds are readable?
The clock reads 10,20,40
